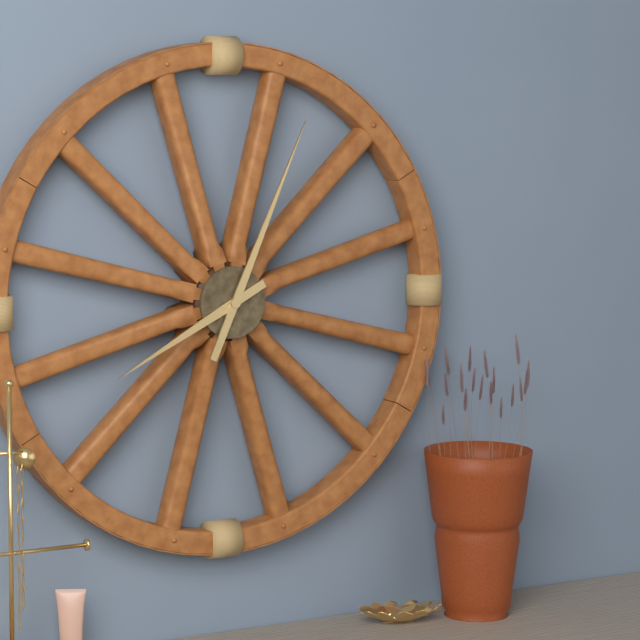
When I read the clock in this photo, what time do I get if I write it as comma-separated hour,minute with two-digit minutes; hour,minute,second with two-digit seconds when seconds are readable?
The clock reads 8,04
